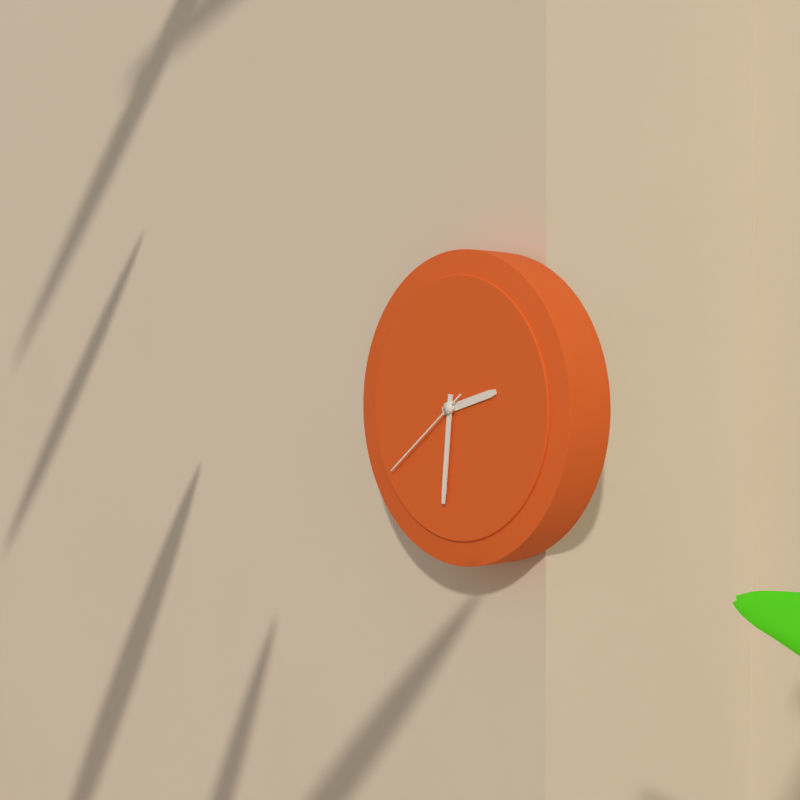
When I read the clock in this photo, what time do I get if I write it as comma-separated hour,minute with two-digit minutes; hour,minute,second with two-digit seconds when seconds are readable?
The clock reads 2,31,39
